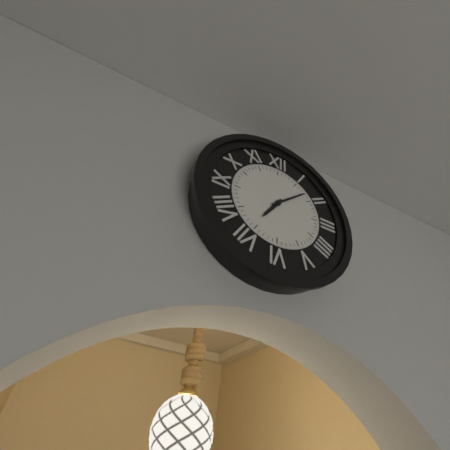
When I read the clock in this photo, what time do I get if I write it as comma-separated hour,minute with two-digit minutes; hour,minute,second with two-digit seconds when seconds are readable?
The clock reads 7,08
